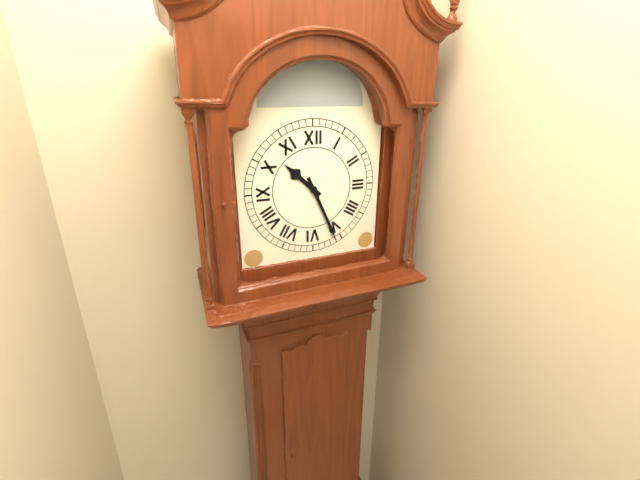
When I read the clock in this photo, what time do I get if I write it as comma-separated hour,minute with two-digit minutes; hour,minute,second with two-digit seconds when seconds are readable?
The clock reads 10,26
